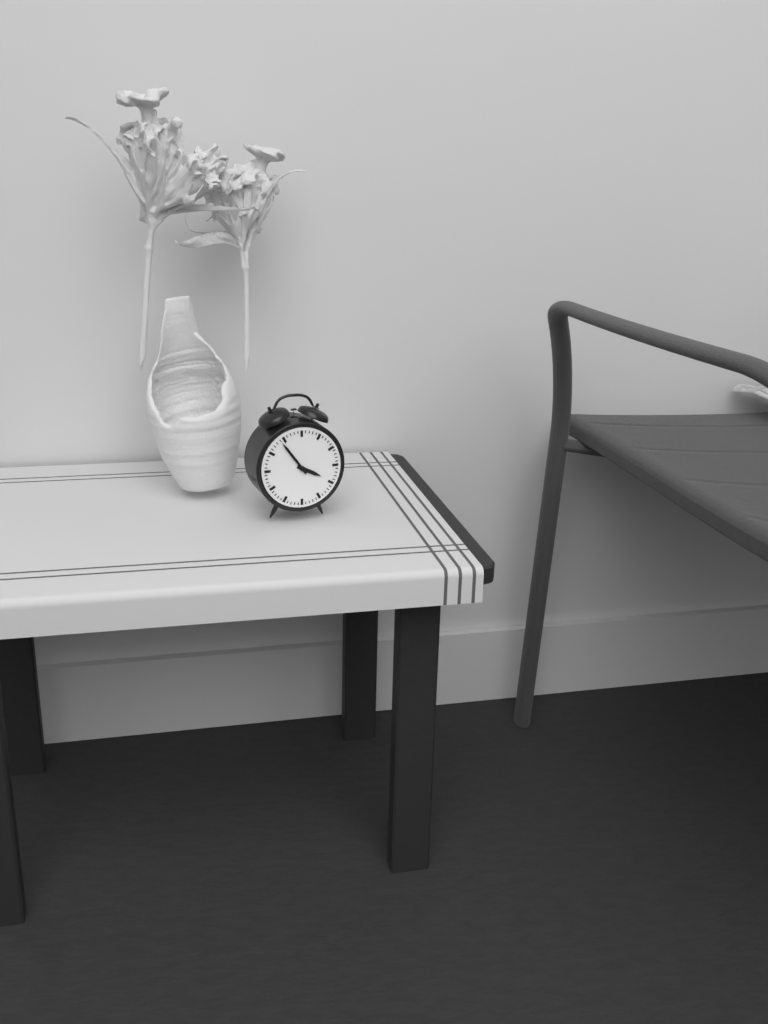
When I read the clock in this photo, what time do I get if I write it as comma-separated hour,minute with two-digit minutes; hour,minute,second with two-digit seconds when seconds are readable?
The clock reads 3,54
